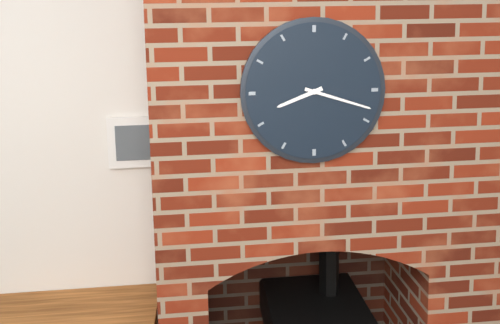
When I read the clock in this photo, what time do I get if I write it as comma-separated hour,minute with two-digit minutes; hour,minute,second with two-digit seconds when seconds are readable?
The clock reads 8,18
